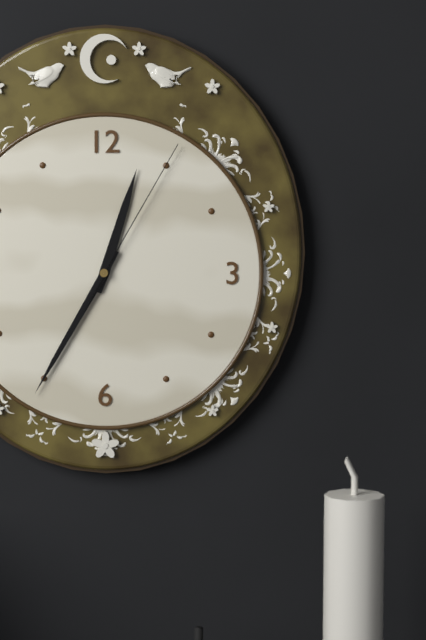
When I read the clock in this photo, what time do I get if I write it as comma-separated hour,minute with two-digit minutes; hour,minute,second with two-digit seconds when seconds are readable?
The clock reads 12,35,05
